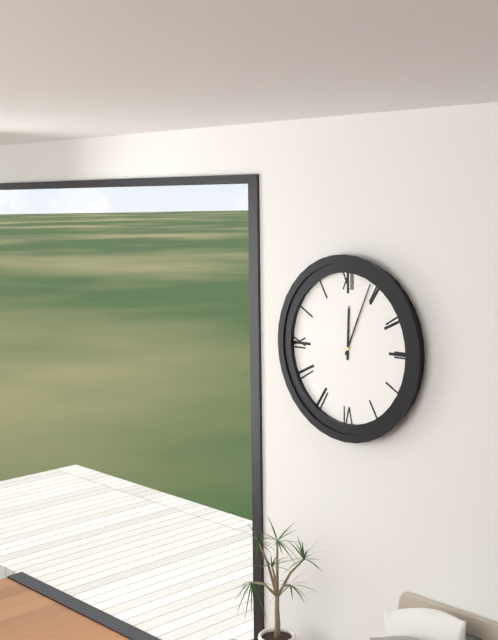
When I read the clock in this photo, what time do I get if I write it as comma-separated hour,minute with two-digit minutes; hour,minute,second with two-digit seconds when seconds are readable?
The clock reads 12,04
